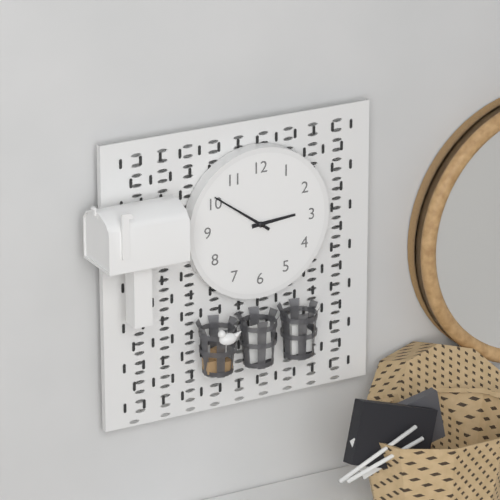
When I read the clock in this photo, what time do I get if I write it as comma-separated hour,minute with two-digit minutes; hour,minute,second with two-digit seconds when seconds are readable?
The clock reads 2,51
